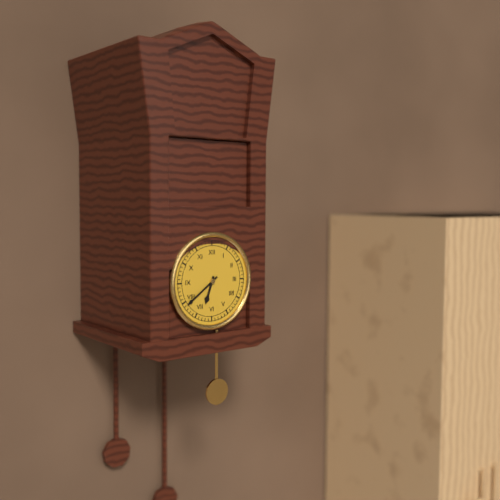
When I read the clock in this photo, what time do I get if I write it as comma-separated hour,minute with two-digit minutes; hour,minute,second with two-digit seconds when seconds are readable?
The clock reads 6,39
